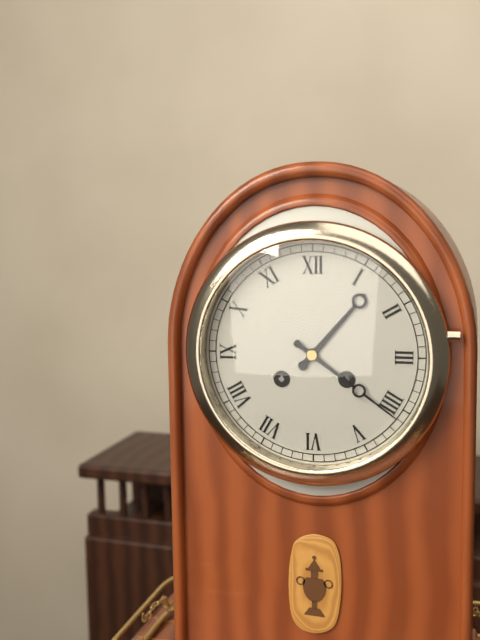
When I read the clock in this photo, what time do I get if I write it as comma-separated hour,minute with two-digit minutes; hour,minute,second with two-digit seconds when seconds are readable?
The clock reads 1,21
